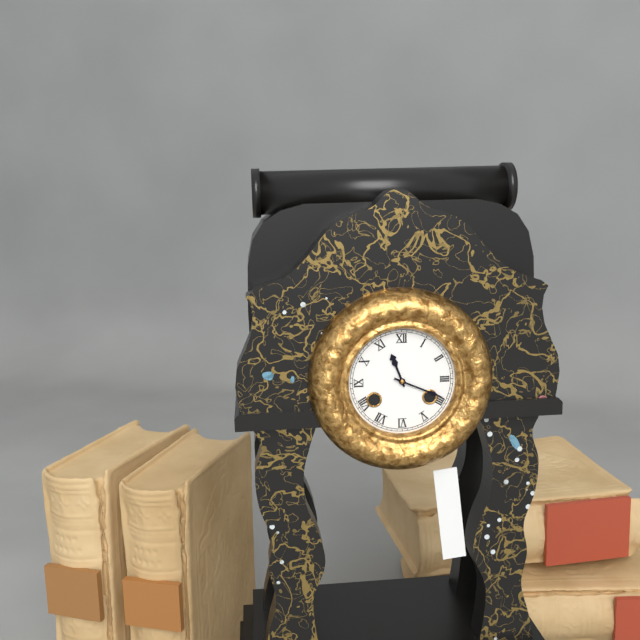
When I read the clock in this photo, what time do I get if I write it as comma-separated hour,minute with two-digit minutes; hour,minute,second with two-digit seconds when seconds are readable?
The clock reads 11,19
